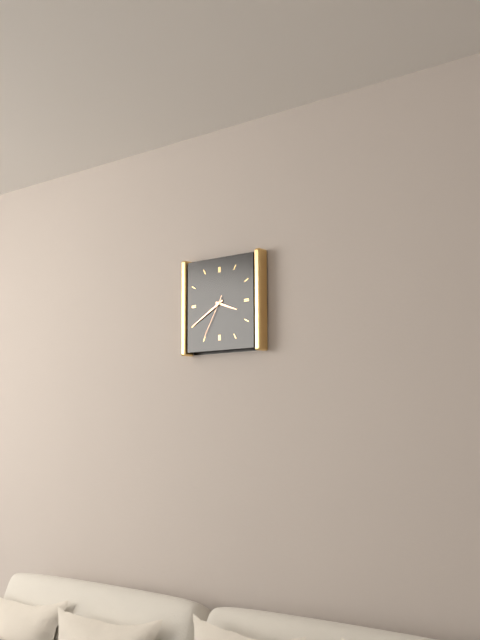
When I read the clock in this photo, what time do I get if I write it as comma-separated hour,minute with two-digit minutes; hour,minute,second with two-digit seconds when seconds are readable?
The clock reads 3,40
